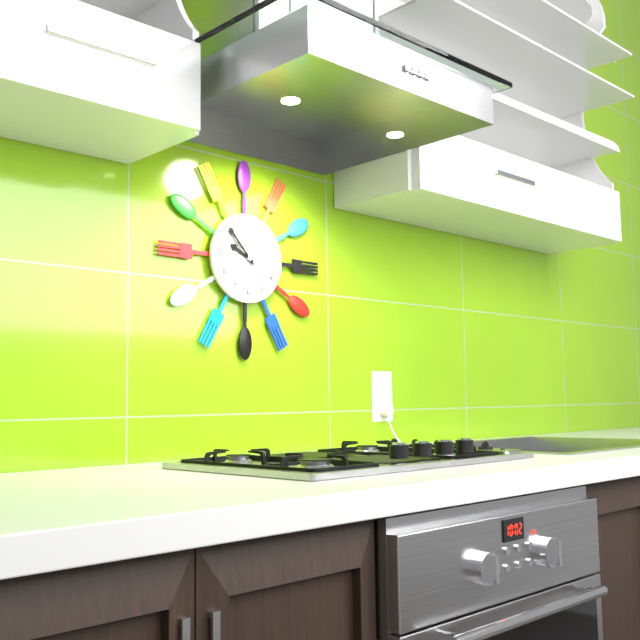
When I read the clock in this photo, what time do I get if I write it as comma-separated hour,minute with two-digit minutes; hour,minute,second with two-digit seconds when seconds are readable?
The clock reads 9,53
